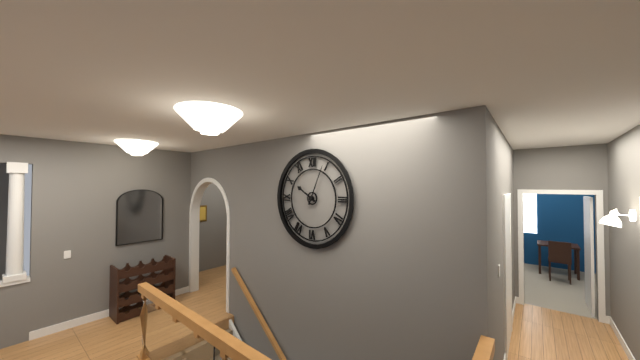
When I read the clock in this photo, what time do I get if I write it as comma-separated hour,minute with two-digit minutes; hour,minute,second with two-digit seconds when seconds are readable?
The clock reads 10,04
